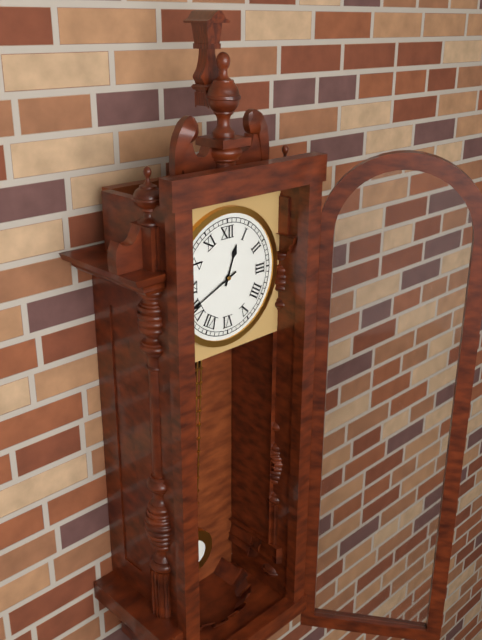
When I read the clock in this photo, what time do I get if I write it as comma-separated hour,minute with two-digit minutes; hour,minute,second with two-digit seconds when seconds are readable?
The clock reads 12,41
